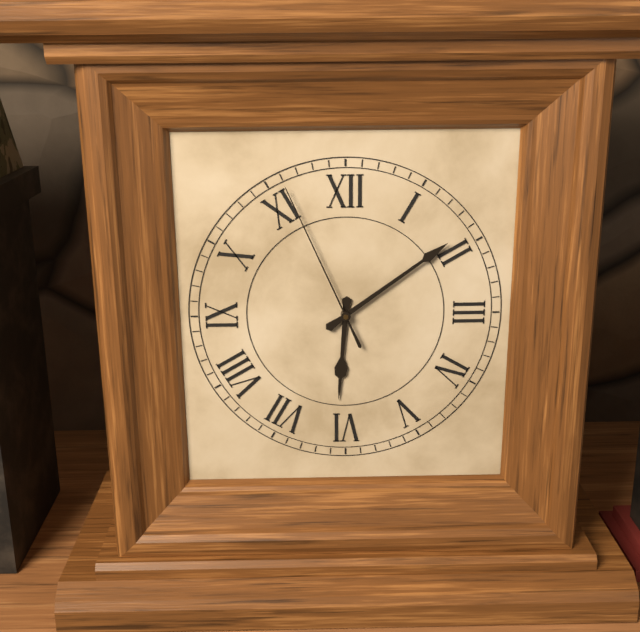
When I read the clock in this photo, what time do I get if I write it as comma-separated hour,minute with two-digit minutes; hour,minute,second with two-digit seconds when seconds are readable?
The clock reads 6,09,56
